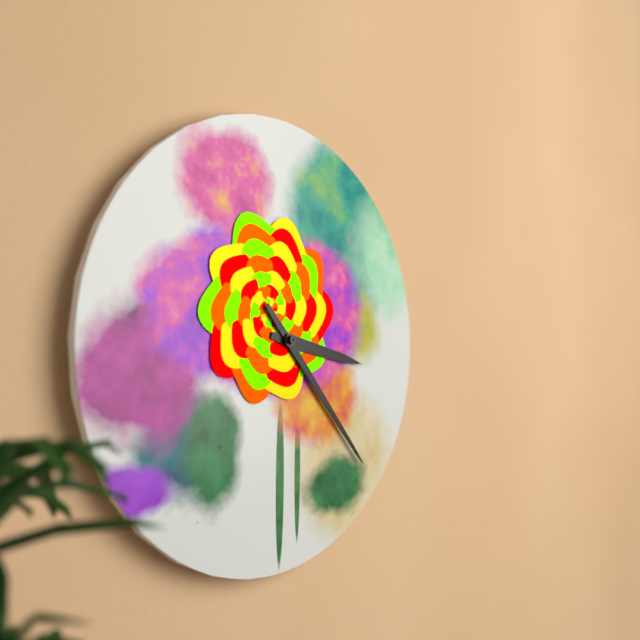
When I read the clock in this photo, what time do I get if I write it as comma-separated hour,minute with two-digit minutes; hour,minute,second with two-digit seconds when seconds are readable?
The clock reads 3,23
